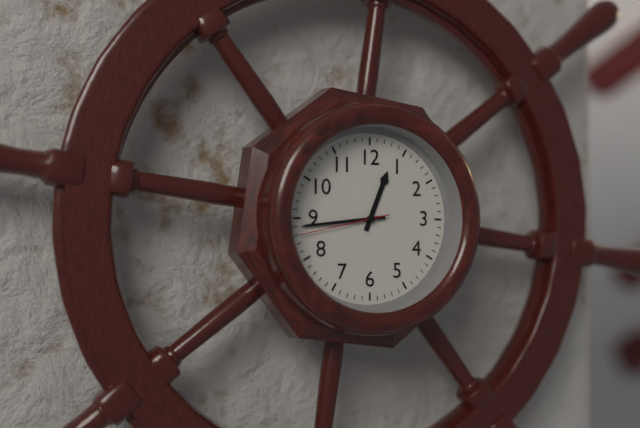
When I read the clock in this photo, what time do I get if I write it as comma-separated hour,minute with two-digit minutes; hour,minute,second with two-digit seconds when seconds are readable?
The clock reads 12,44,43
